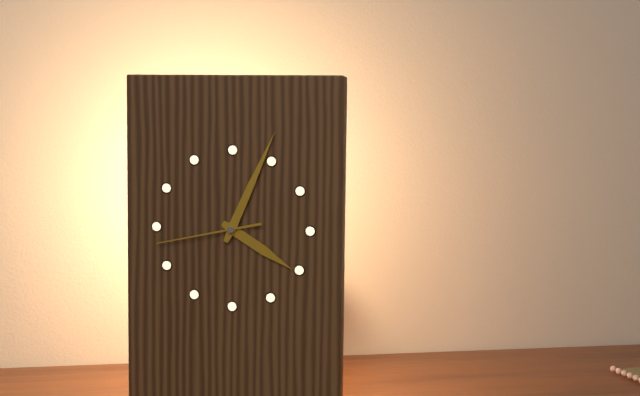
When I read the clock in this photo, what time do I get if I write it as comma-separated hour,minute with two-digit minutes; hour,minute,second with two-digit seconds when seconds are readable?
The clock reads 4,04,43
